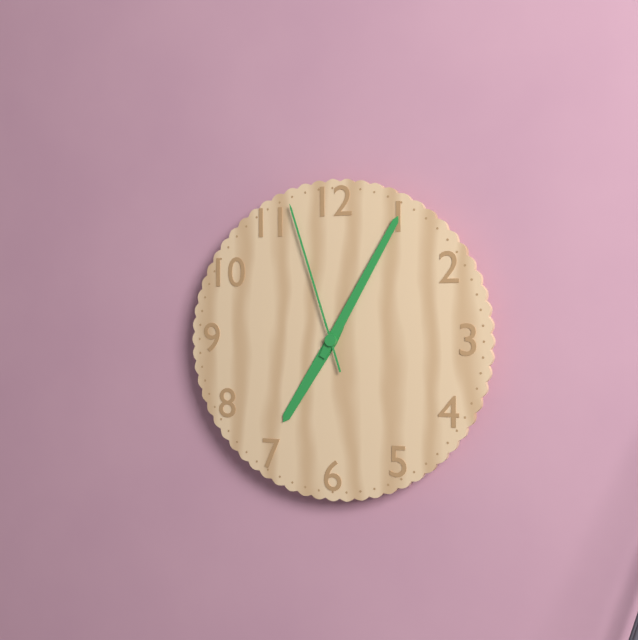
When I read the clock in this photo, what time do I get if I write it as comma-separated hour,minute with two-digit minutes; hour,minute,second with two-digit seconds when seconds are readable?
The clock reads 7,05,57
